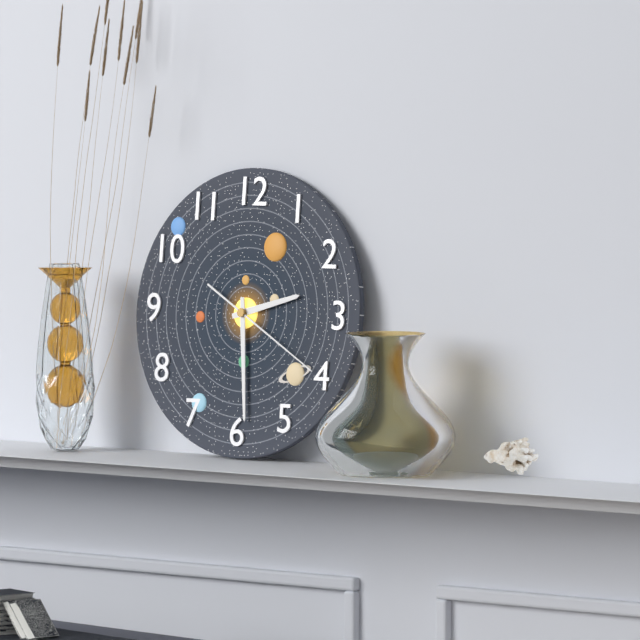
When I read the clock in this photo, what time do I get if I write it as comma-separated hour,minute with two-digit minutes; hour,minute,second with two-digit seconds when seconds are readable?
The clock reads 2,29,20
